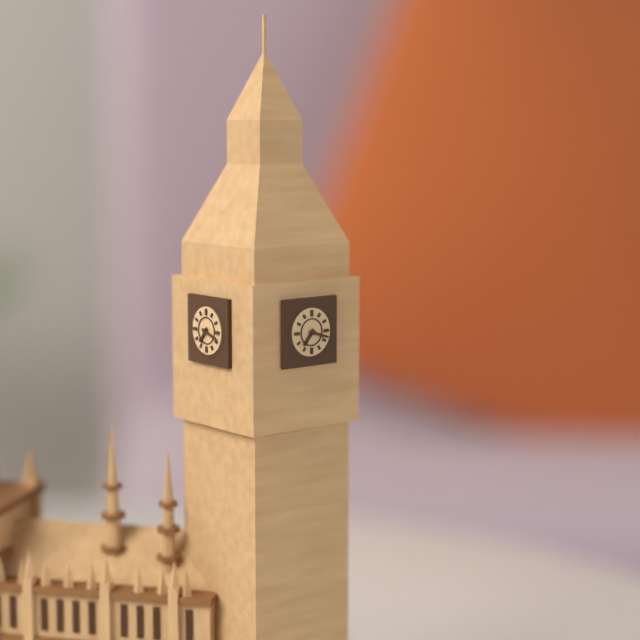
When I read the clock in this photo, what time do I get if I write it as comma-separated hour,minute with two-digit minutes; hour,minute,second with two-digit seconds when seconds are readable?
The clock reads 7,18
